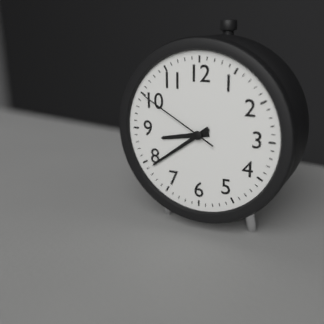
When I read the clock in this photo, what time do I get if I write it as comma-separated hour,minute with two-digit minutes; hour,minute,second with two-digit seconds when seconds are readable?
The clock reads 8,39,50
